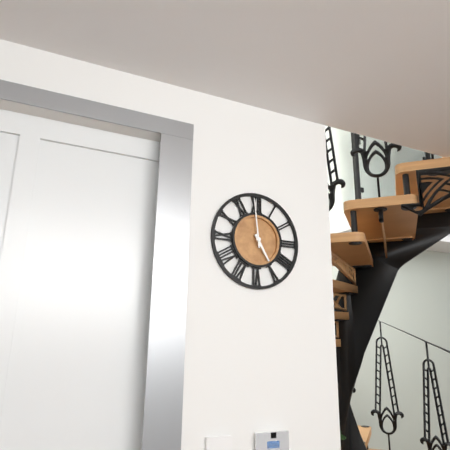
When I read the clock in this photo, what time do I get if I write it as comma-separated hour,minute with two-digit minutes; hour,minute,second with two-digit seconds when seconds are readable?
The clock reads 4,59
